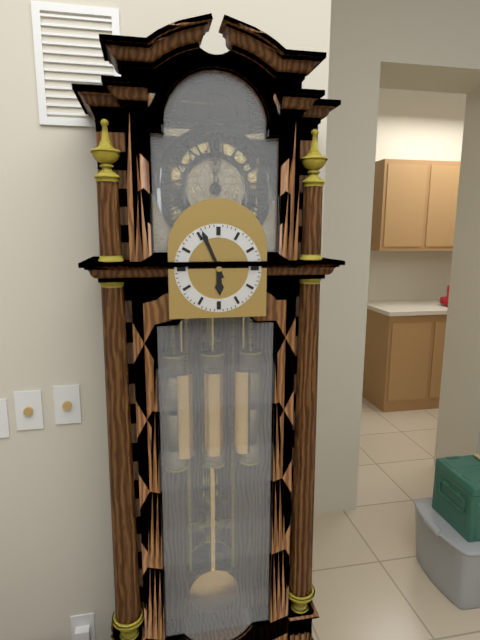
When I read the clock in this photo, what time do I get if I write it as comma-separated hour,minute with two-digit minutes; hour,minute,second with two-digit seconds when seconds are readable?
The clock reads 5,56
